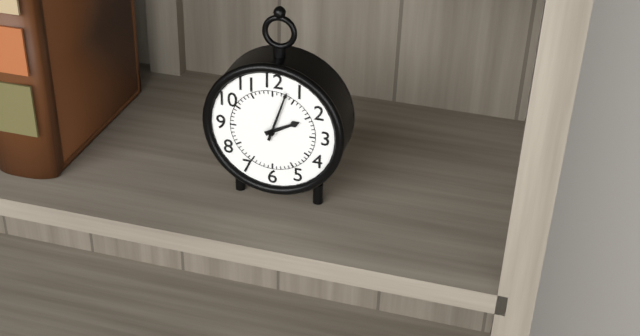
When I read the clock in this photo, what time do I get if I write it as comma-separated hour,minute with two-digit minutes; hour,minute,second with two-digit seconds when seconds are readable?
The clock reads 2,03
